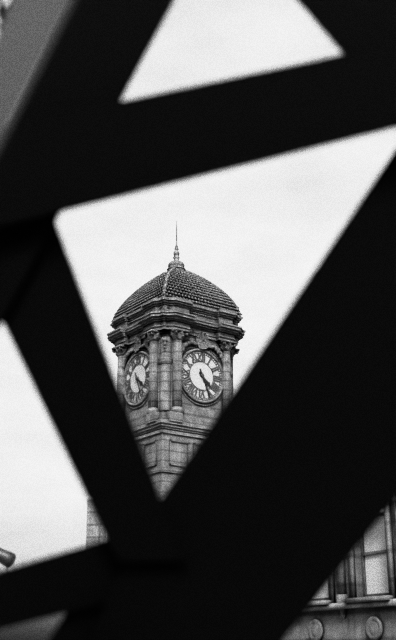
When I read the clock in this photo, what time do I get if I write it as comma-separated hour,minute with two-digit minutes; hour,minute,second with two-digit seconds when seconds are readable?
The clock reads 4,26
